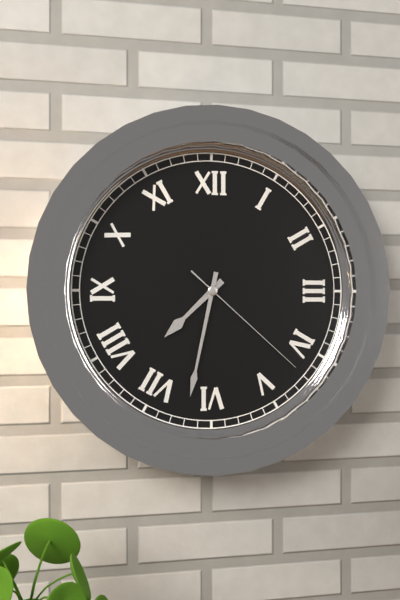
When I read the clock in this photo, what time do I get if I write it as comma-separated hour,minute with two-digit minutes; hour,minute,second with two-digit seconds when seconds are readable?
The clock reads 7,32,22
